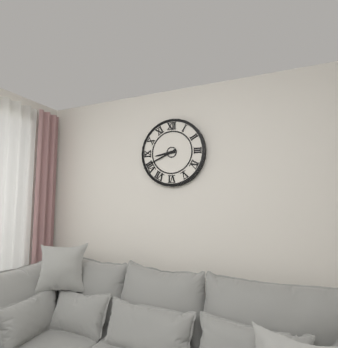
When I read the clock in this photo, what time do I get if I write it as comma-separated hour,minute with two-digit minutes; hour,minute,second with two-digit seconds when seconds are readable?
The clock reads 8,41
